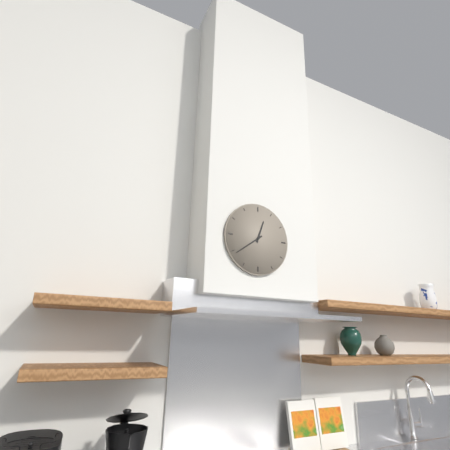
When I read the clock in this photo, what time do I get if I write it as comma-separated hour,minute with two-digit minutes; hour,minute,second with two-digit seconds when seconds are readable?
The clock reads 12,39
